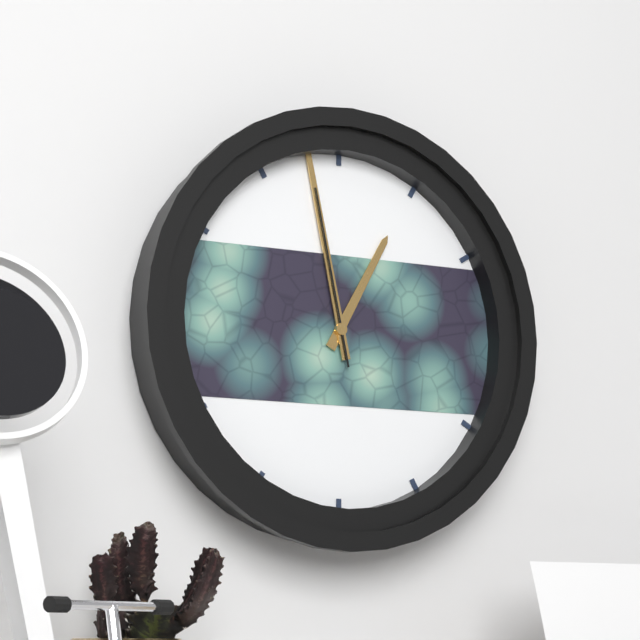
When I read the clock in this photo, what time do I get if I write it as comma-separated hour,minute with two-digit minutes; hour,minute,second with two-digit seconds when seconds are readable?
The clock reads 12,58,58
